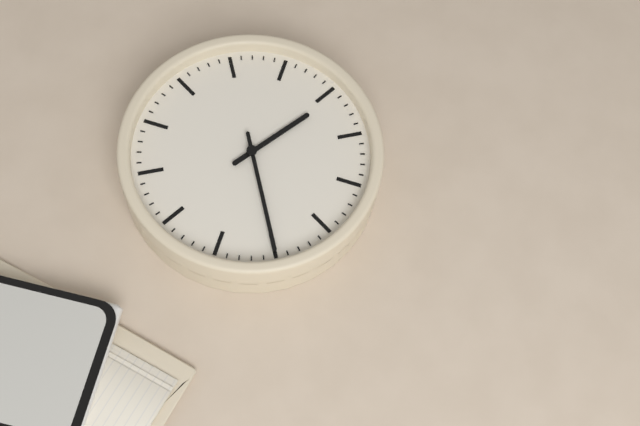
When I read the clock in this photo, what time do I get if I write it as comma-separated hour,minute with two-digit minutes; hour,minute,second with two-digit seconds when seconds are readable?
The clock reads 10,10
